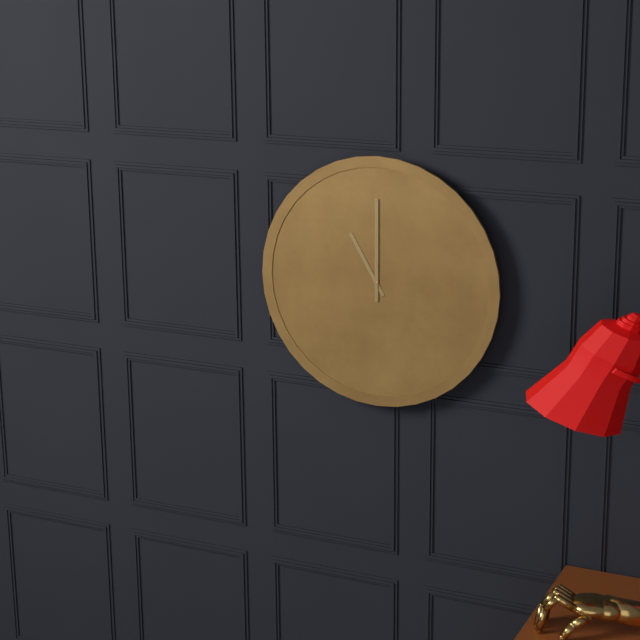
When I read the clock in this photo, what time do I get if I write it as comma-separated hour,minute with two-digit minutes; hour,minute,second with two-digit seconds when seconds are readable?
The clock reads 11,00
